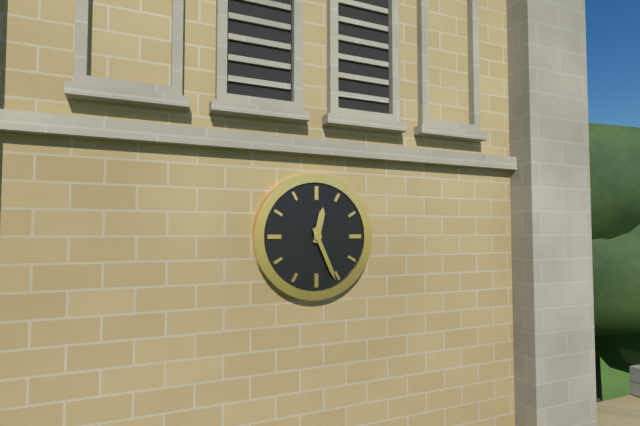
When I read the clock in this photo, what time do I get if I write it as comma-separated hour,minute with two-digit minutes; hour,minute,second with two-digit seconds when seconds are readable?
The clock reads 12,26
